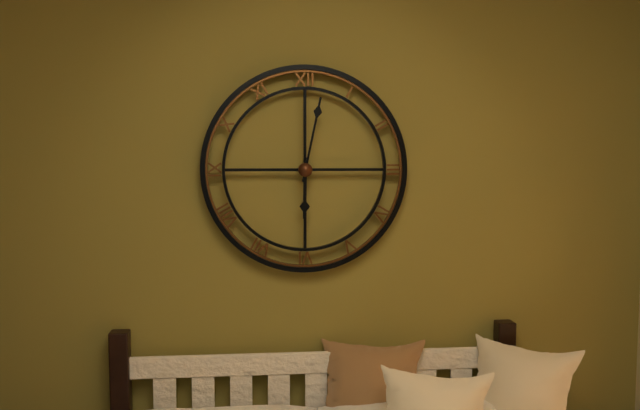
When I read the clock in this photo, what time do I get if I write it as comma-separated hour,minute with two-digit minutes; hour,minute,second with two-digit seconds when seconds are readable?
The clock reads 6,02
